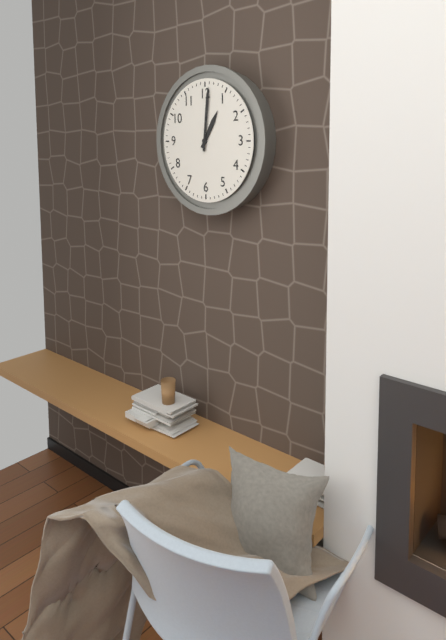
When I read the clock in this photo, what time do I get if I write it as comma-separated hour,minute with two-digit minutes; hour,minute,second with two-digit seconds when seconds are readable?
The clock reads 1,01
